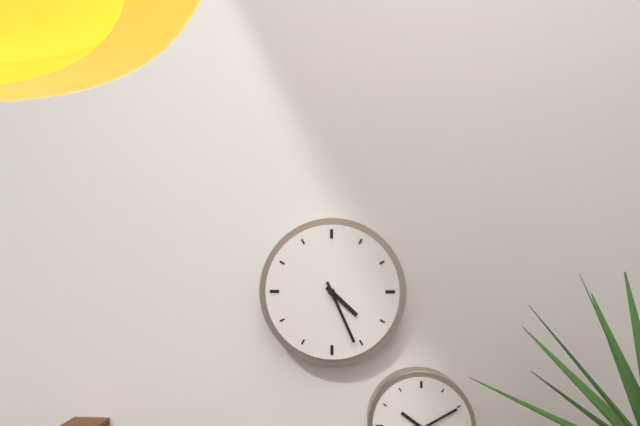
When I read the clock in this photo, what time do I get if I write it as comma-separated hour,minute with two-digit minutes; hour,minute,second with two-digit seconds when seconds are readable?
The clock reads 4,26
